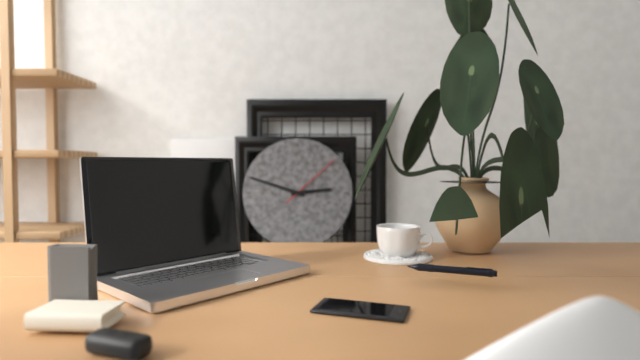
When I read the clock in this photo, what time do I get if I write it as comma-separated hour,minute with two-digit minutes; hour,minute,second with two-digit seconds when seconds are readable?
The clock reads 2,48,08
